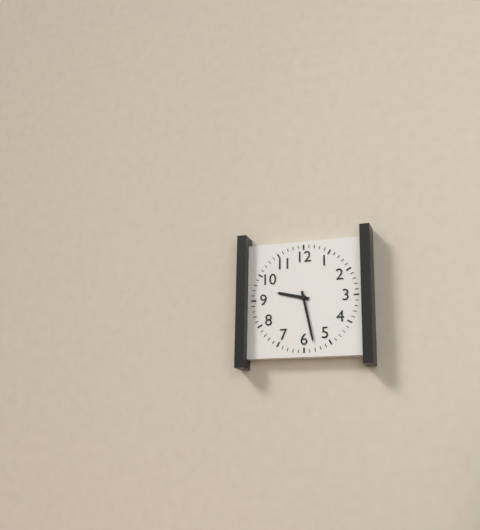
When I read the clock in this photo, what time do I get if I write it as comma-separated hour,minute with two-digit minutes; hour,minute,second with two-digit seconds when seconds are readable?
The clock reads 9,28
